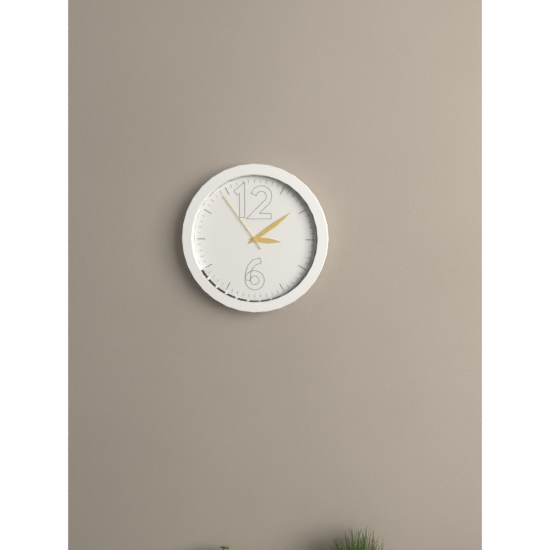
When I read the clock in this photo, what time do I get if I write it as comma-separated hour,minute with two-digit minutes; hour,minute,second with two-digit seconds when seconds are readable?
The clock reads 3,09,54
